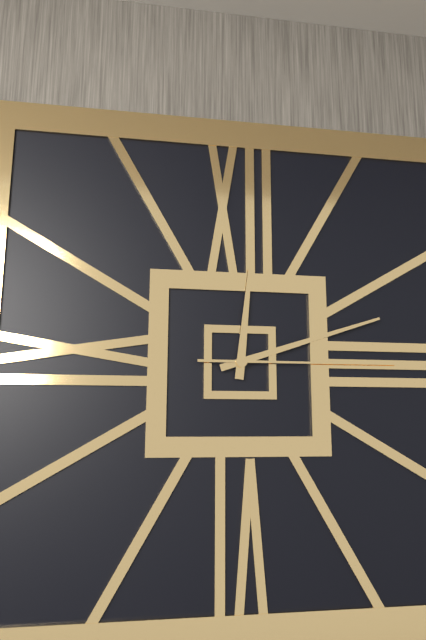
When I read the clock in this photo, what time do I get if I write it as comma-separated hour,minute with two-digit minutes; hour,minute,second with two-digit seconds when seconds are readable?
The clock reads 12,12,15
